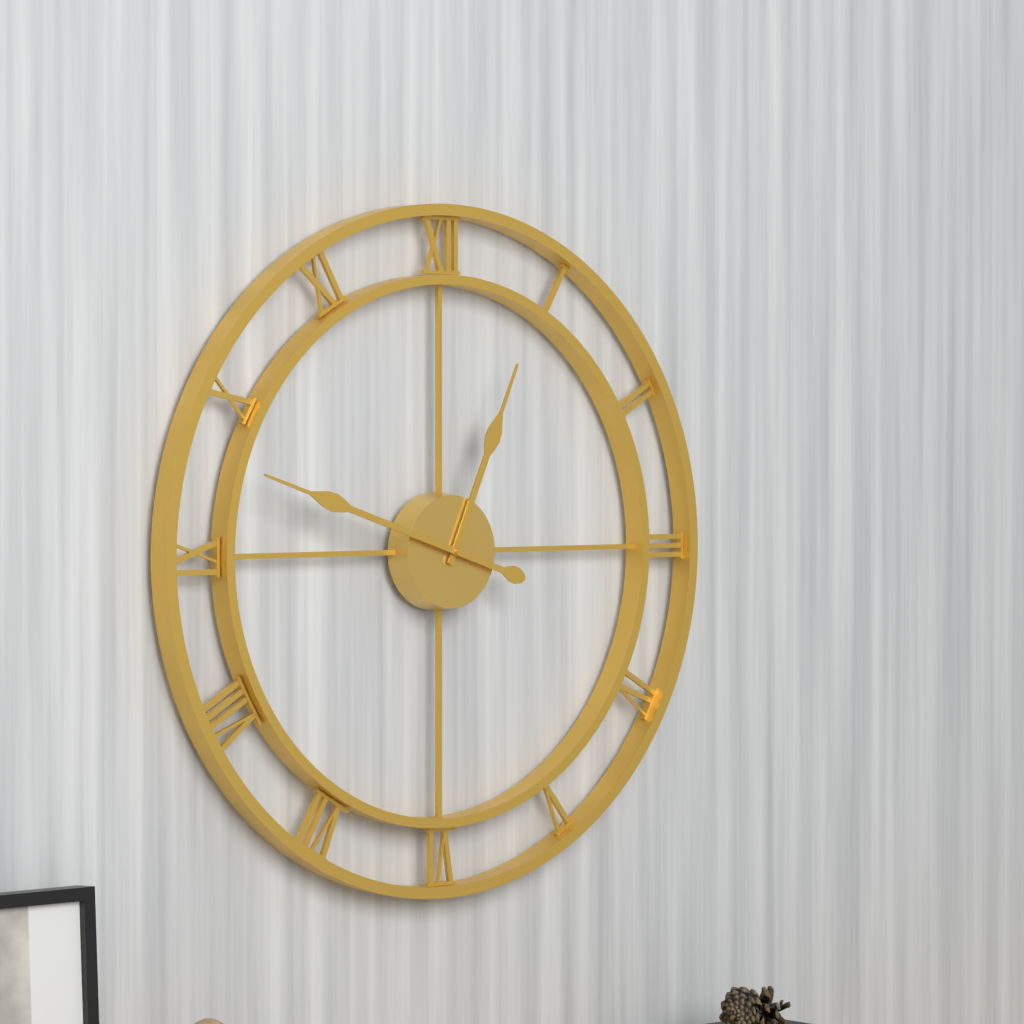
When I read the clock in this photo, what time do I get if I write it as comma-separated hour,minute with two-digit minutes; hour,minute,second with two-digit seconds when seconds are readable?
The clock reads 12,48
